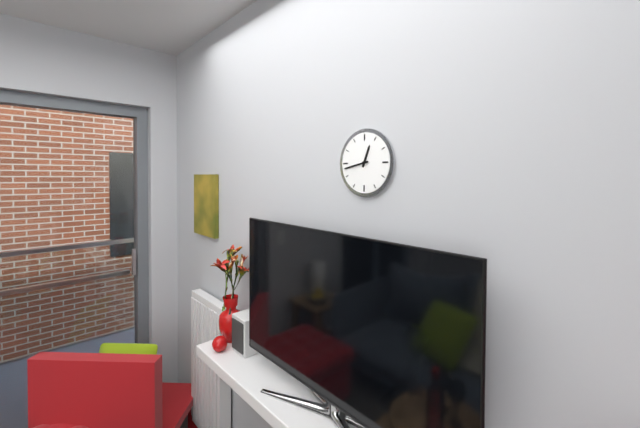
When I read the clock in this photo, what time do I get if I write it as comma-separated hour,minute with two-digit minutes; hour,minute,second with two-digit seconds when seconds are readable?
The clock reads 12,43
